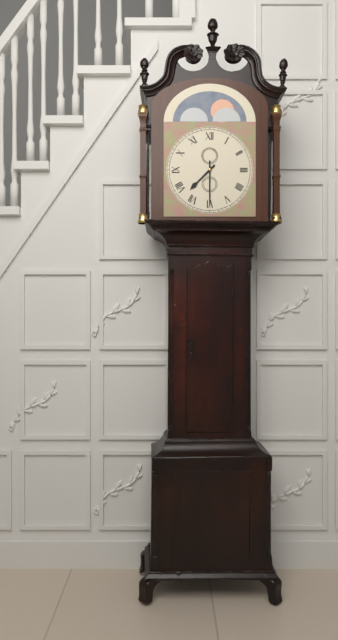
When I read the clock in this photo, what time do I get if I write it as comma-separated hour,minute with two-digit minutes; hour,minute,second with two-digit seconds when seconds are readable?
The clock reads 7,30
